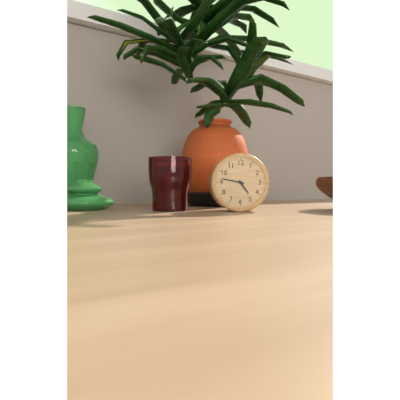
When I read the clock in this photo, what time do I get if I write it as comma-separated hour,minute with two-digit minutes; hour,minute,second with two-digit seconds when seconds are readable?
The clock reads 4,47
